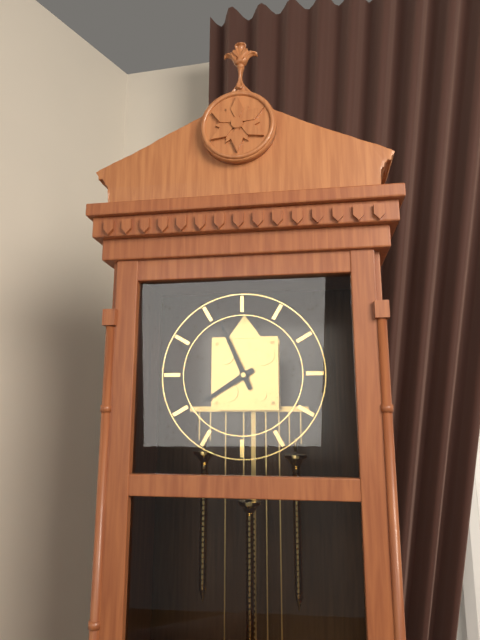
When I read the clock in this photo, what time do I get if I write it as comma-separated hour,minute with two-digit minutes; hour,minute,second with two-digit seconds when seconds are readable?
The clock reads 7,56
